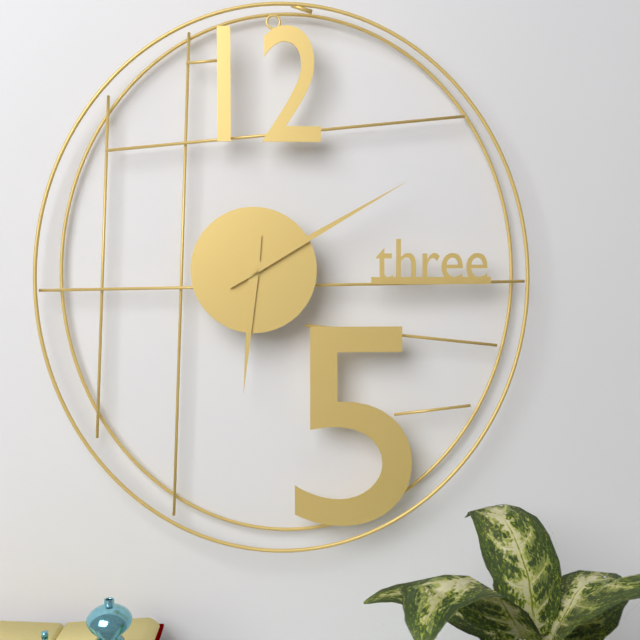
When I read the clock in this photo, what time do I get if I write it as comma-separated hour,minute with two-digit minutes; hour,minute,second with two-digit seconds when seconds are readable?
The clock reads 6,10
